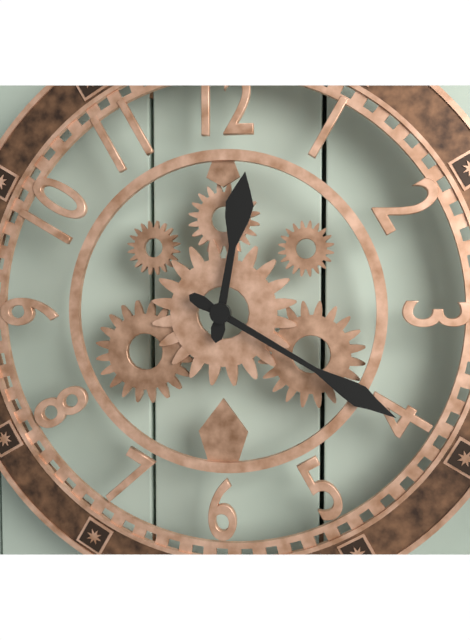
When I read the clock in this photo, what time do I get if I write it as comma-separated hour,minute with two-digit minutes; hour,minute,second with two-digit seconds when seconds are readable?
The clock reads 12,20
